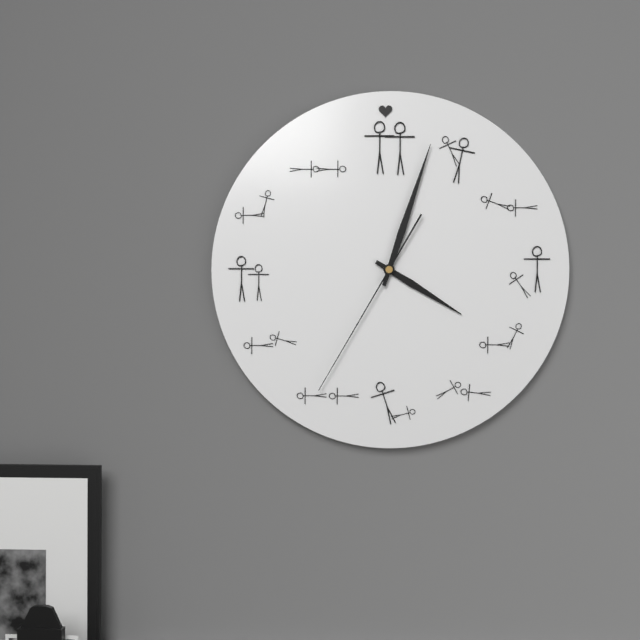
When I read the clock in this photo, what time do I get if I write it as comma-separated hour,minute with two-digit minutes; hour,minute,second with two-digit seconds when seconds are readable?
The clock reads 4,03,35
